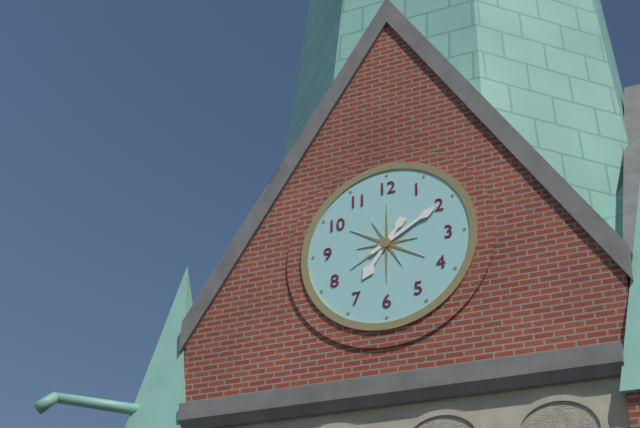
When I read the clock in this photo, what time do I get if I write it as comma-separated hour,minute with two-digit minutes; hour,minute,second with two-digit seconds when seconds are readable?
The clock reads 7,10
